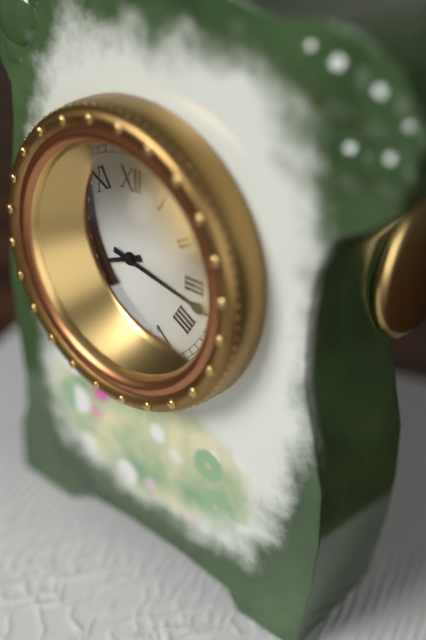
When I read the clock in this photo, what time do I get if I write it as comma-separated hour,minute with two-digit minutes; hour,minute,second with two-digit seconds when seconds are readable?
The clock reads 8,17
